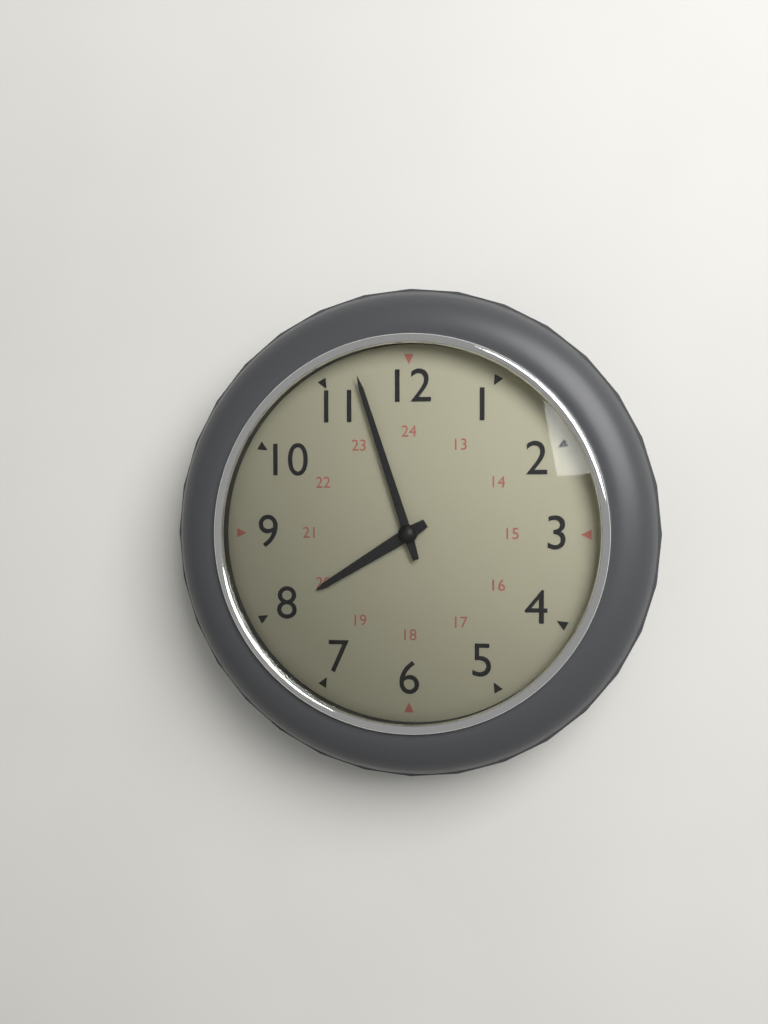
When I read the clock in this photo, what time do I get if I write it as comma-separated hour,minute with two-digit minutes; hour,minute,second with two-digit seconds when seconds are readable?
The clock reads 7,57
